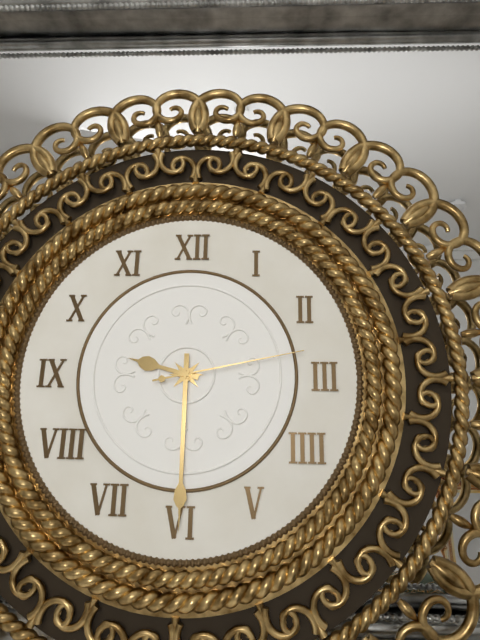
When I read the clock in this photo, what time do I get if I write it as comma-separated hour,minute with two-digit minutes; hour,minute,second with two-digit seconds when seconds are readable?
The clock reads 9,30,13
